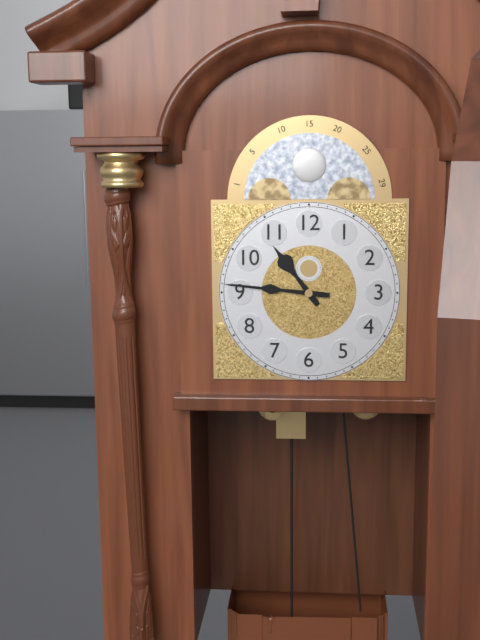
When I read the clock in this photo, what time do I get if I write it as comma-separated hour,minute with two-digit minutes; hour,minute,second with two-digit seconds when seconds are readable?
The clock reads 10,46
